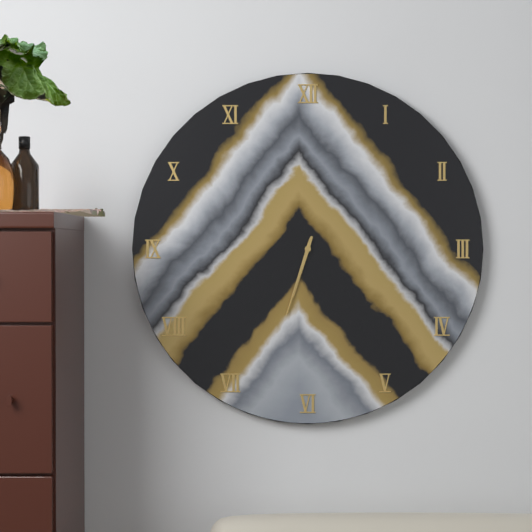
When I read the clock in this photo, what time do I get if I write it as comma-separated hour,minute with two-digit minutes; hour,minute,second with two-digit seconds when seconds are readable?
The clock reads 6,33
